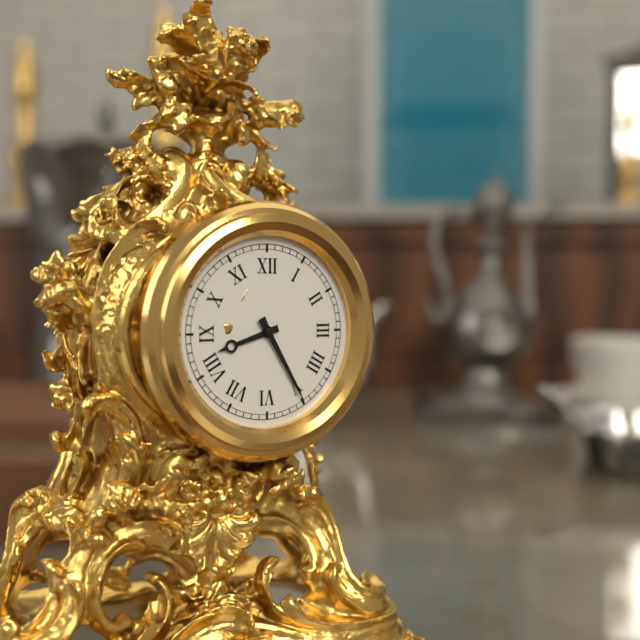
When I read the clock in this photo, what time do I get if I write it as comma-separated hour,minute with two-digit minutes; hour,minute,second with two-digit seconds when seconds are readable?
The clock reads 8,25
